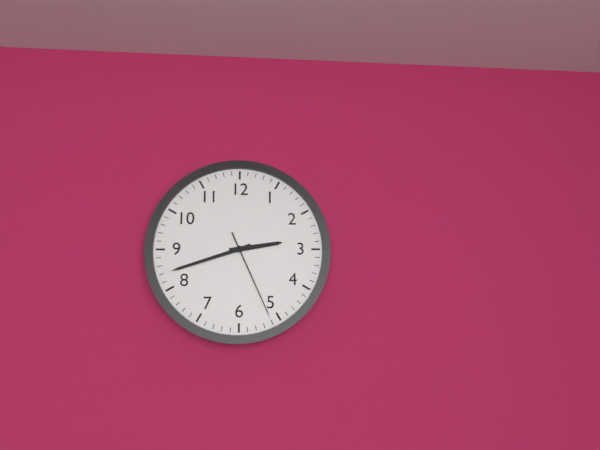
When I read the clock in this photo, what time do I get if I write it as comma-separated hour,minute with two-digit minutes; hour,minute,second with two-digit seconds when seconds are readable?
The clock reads 2,42,26
